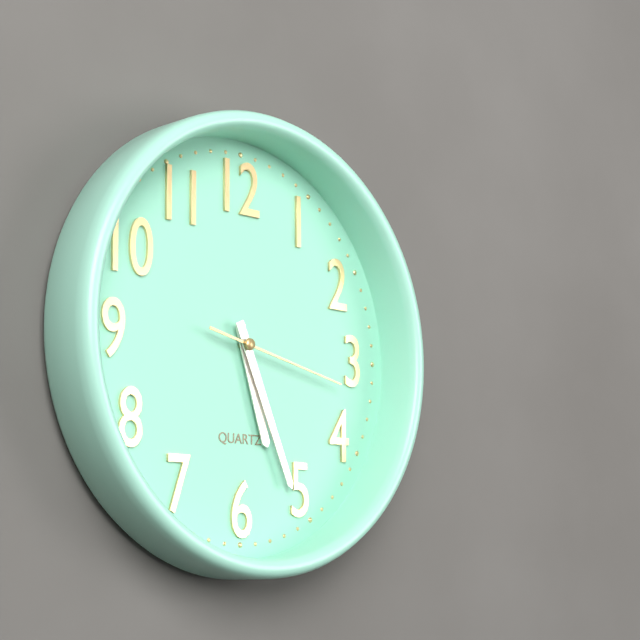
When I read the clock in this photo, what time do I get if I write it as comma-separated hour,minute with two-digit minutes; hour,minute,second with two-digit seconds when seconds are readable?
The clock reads 5,26,17
